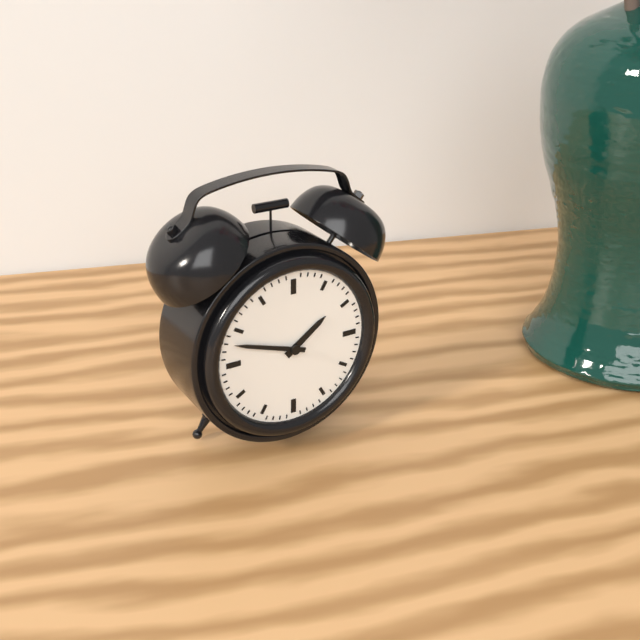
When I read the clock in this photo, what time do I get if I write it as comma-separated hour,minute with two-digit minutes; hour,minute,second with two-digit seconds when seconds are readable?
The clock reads 1,48
